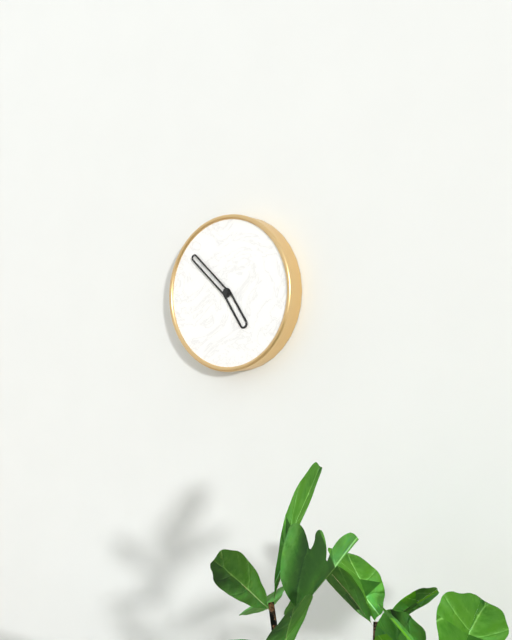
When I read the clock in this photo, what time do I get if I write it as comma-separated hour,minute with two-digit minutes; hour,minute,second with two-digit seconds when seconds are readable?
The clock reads 4,52
